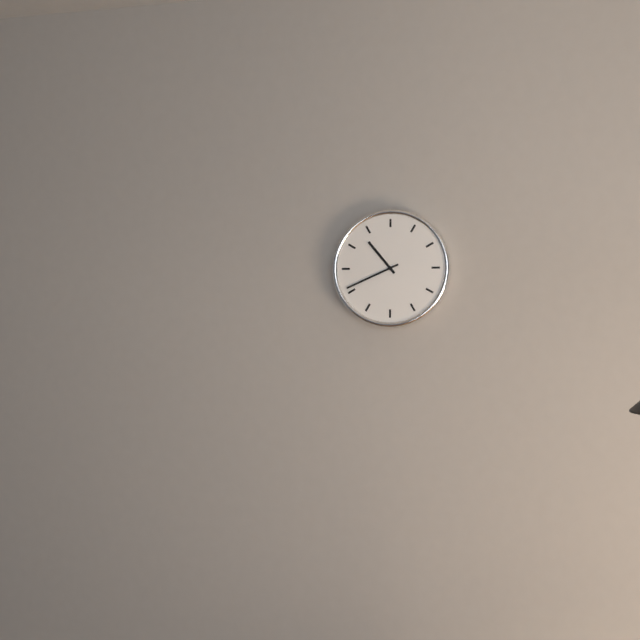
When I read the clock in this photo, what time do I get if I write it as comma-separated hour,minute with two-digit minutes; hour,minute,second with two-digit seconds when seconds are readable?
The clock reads 10,41
